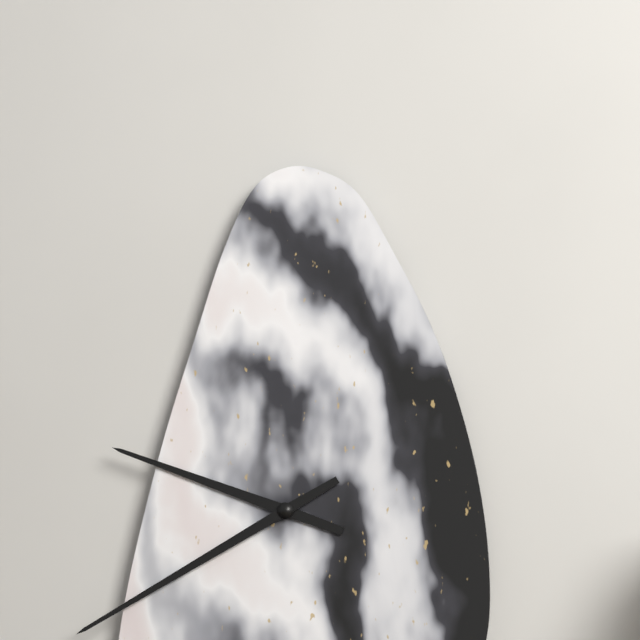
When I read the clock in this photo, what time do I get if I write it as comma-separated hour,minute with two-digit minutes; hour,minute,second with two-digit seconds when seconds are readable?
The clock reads 9,40
